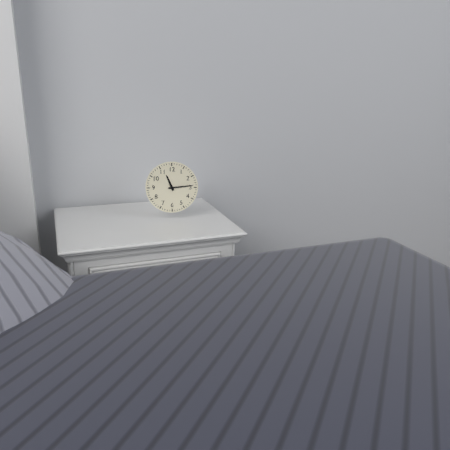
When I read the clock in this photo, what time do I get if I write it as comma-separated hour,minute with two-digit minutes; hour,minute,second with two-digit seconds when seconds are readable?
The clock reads 11,14
